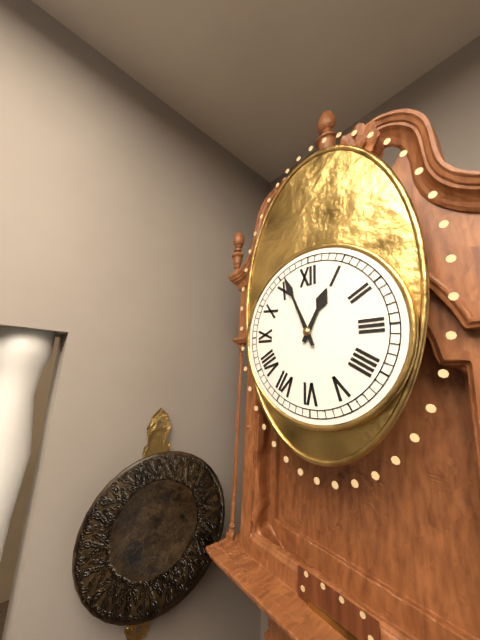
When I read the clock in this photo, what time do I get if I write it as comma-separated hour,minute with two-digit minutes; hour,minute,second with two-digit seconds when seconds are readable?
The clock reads 12,56
